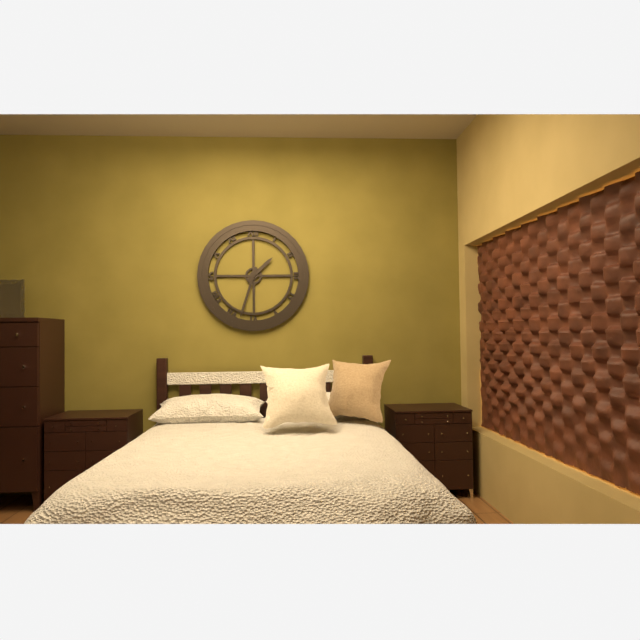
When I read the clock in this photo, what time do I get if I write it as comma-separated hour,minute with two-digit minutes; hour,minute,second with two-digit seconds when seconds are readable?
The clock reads 1,33
